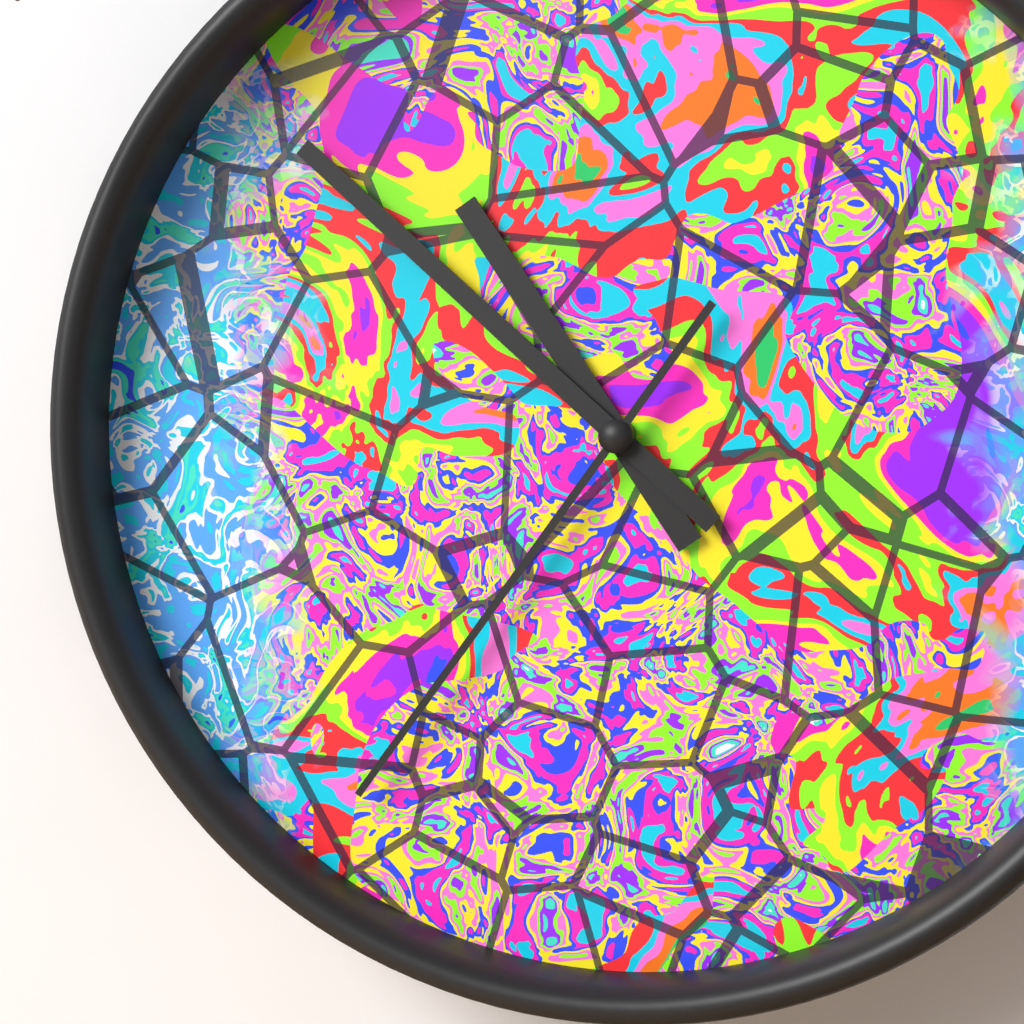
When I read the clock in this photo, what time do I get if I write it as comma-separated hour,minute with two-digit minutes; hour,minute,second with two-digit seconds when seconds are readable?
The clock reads 10,52,36
